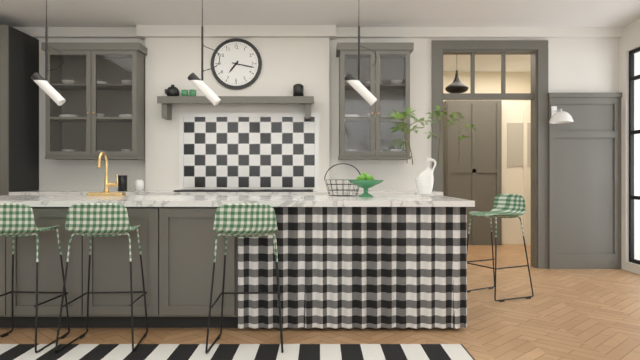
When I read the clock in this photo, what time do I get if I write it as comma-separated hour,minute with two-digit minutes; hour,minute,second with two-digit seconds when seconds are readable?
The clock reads 7,17
